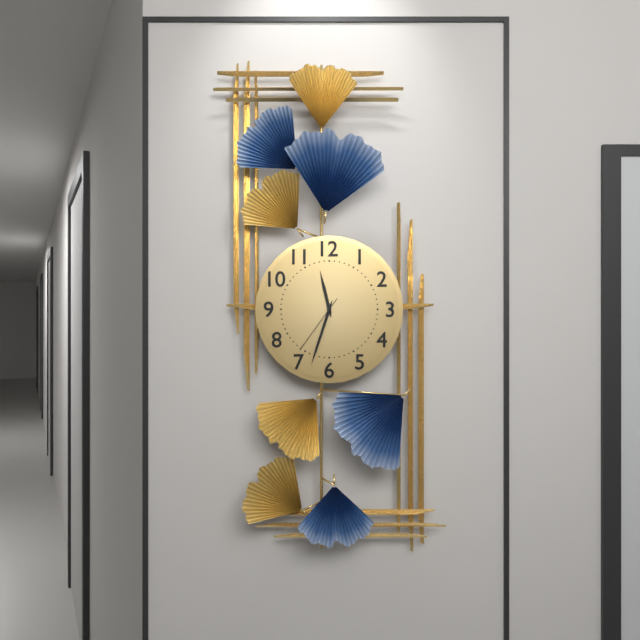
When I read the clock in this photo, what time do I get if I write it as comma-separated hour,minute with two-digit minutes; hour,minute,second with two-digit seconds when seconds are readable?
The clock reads 11,33,36
